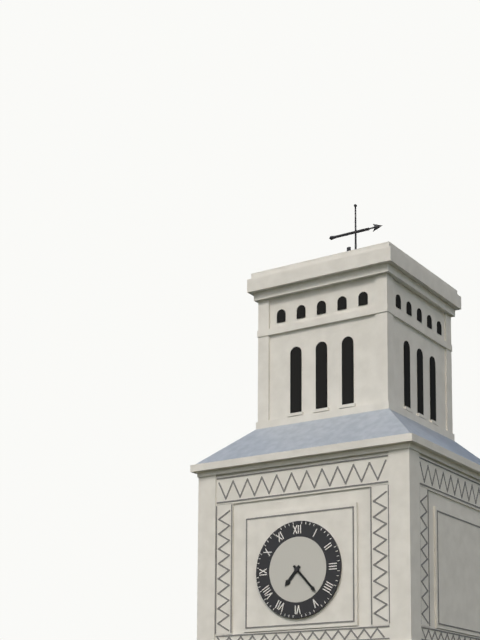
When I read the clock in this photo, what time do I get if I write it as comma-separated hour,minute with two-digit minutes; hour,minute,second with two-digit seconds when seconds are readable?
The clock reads 7,23
